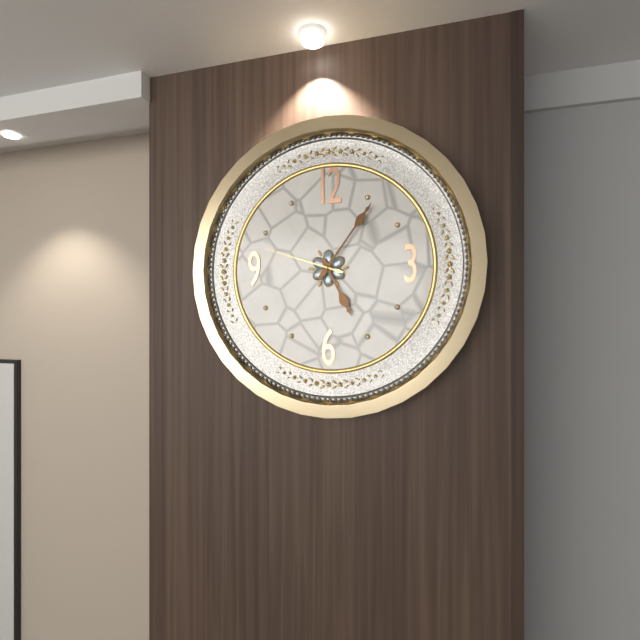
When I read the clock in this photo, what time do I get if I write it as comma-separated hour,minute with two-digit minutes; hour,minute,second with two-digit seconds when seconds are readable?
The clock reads 5,06,48
